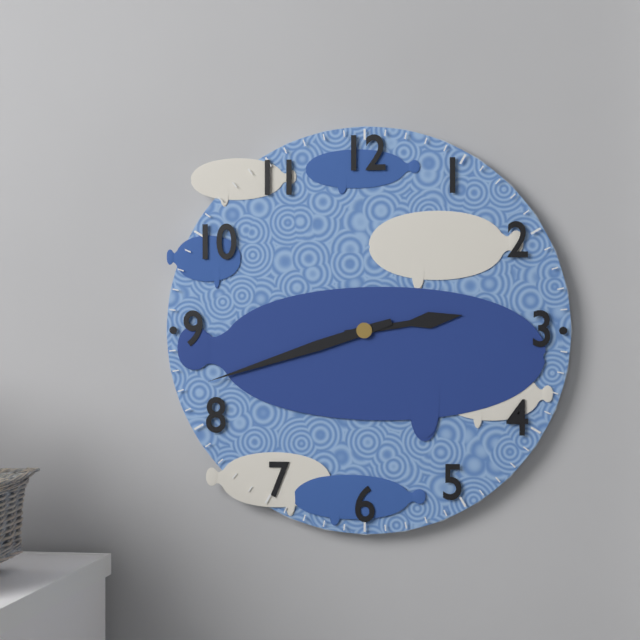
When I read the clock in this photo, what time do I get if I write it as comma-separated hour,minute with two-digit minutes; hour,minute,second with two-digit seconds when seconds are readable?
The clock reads 2,42
